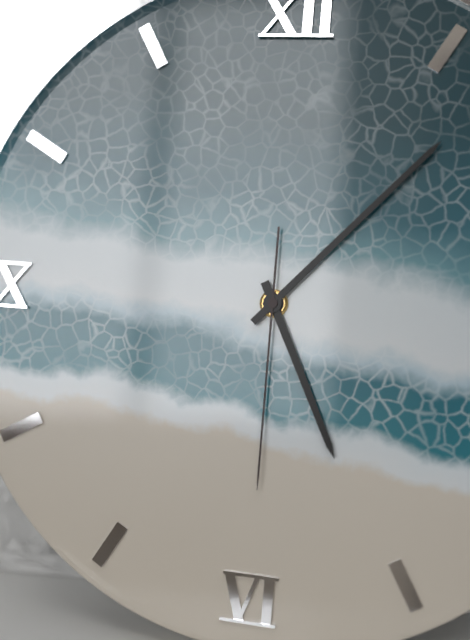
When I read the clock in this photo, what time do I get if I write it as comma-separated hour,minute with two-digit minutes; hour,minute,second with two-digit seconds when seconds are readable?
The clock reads 5,07,30
